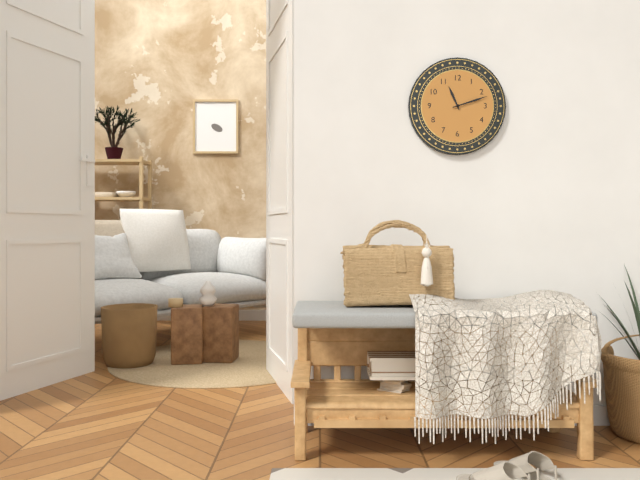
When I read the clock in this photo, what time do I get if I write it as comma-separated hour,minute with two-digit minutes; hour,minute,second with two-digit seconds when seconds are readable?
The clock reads 11,12
